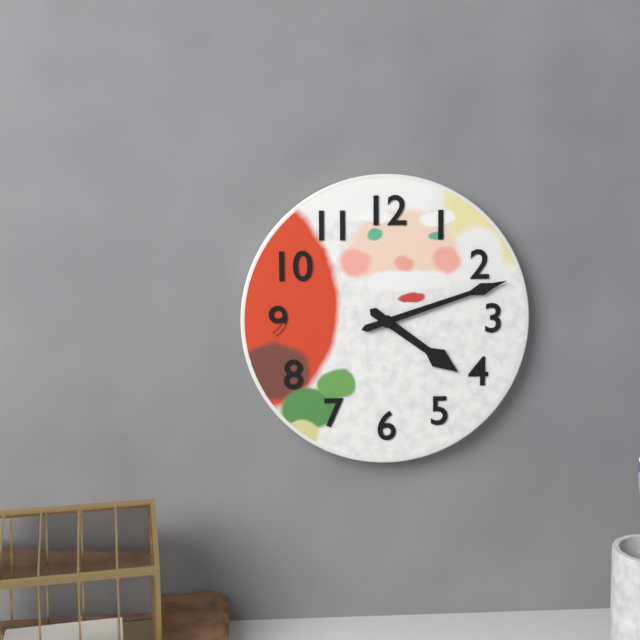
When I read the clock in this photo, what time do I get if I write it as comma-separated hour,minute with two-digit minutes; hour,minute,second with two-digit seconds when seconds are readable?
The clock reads 4,12
